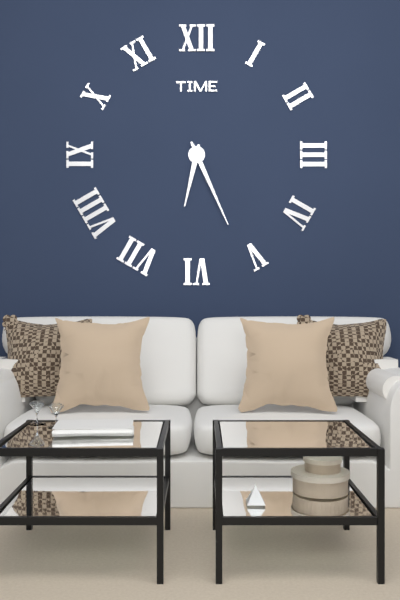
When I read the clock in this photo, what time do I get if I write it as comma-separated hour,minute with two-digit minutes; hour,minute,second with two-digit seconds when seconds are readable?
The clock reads 6,26
